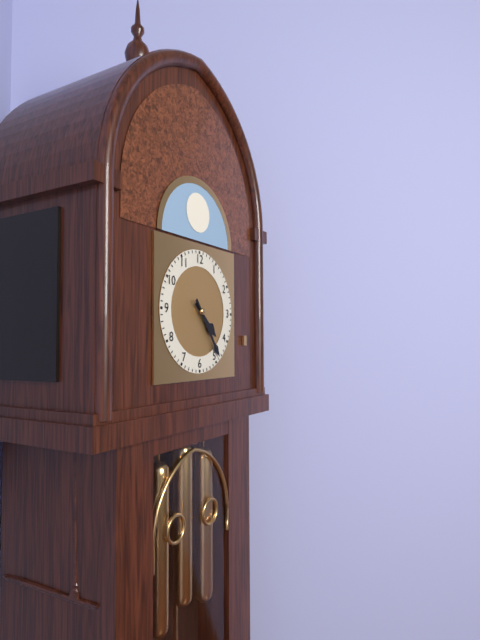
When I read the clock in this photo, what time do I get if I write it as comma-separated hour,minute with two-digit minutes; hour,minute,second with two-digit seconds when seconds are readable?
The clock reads 4,24
